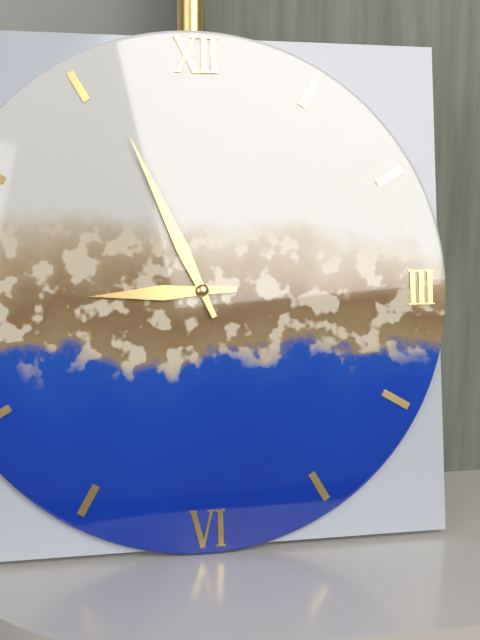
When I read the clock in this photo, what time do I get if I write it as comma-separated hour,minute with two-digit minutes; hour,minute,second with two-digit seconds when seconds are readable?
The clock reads 8,56
